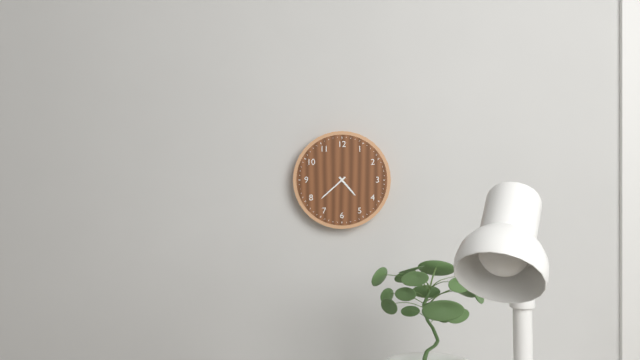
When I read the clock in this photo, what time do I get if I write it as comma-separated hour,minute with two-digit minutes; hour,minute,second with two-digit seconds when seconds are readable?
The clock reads 4,38
